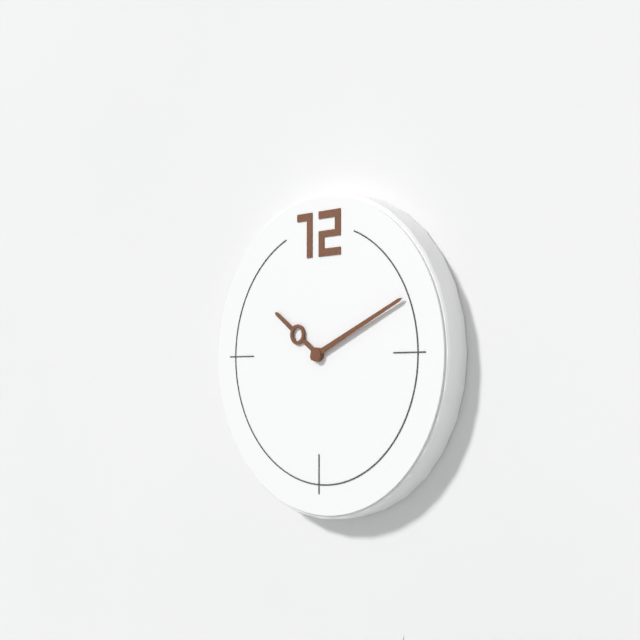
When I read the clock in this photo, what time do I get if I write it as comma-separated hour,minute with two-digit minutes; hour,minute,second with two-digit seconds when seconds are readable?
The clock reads 10,11
